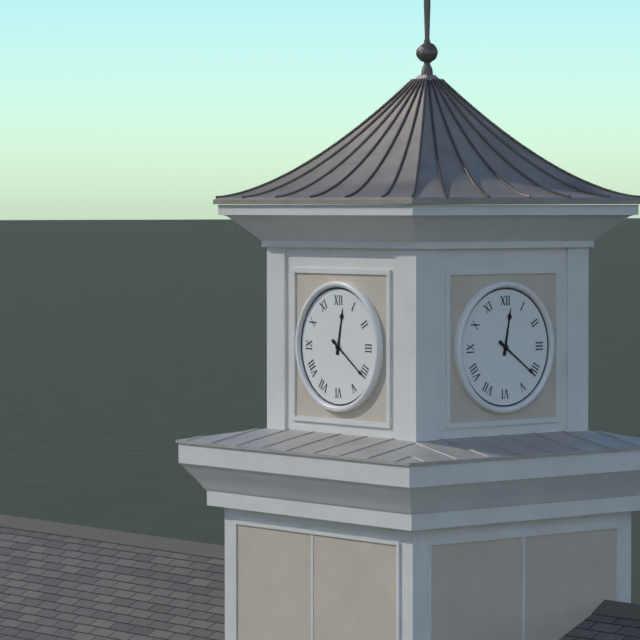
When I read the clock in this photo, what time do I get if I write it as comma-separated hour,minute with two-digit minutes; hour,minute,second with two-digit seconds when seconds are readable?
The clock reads 12,21
